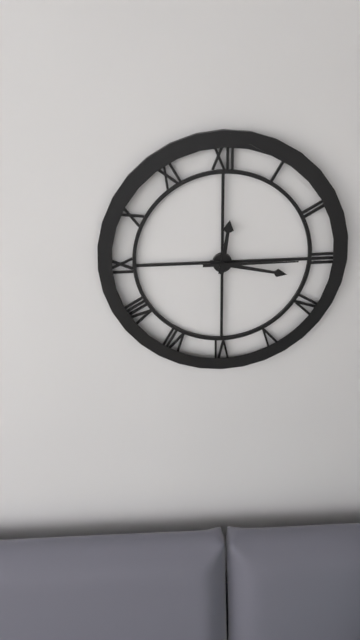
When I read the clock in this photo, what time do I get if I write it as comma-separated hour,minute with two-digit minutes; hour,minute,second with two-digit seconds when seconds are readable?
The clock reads 12,17,15
